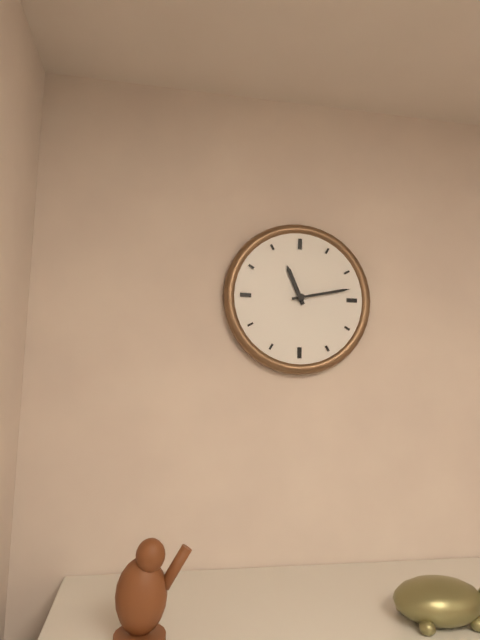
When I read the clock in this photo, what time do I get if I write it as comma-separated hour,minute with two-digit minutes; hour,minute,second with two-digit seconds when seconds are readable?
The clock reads 11,13
